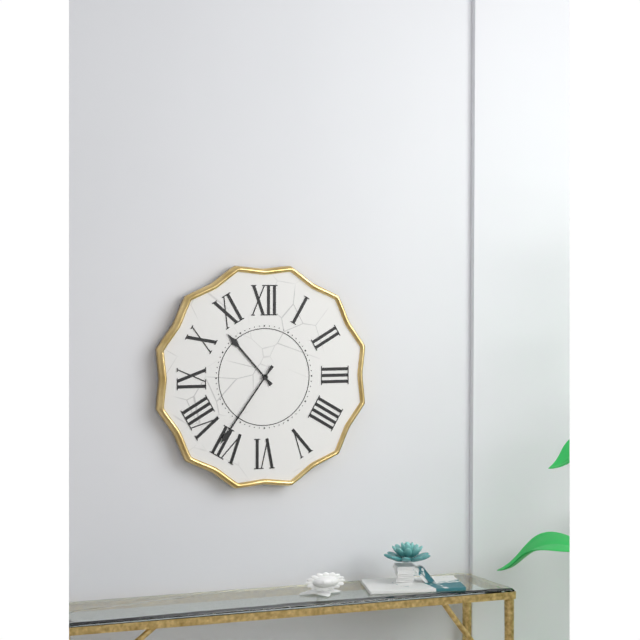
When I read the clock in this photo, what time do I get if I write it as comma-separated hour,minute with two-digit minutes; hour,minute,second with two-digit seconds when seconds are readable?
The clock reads 10,36
